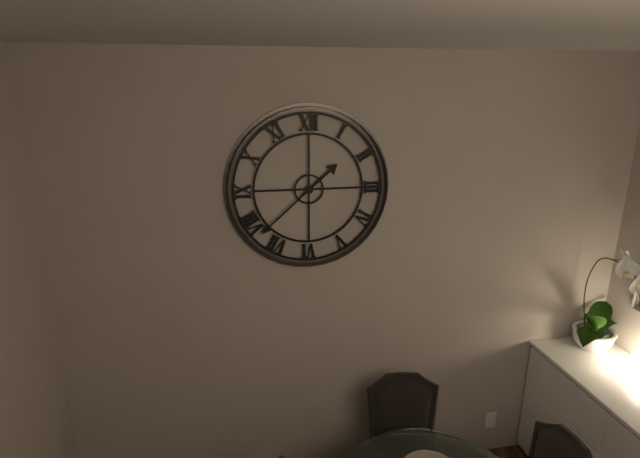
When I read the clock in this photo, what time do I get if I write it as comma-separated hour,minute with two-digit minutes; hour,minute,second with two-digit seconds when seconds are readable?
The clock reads 1,38
